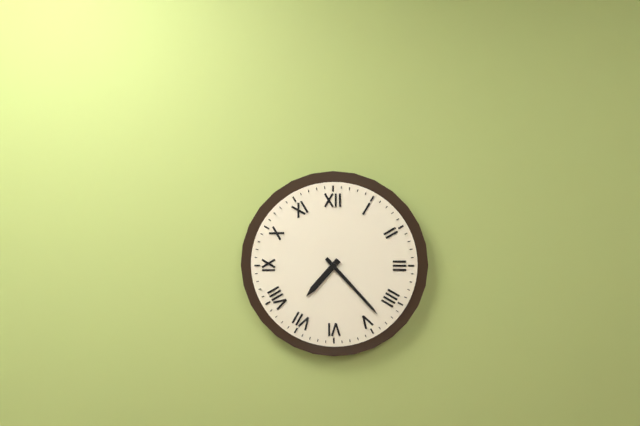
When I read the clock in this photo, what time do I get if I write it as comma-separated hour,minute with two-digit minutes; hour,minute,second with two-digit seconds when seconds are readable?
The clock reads 7,23
